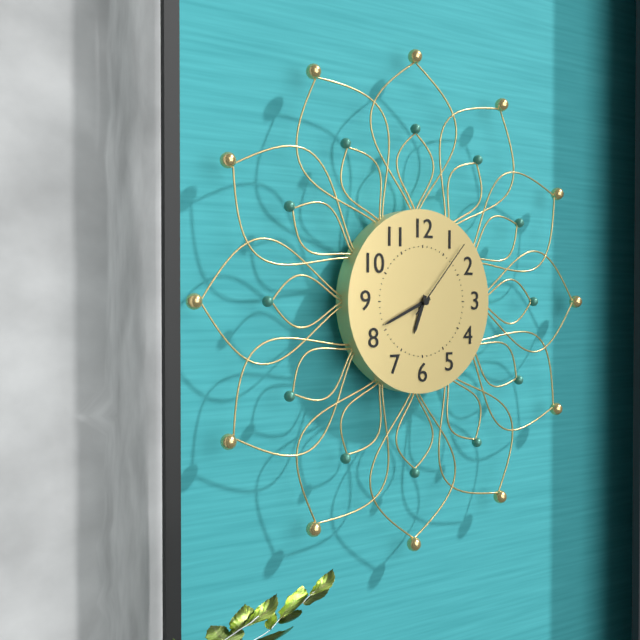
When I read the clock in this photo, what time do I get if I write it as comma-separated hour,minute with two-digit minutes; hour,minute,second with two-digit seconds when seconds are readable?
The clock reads 6,41,07
